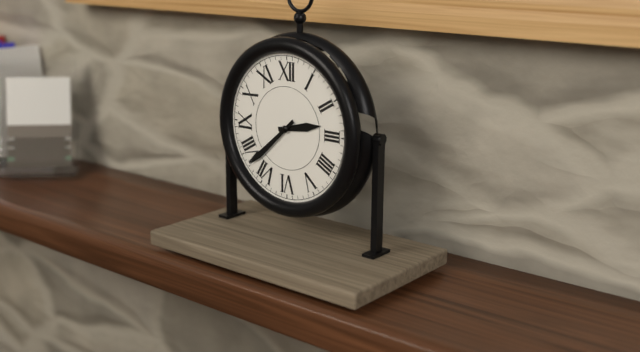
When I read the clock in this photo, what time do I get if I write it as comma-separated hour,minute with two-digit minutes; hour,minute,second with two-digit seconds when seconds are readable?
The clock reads 2,38
